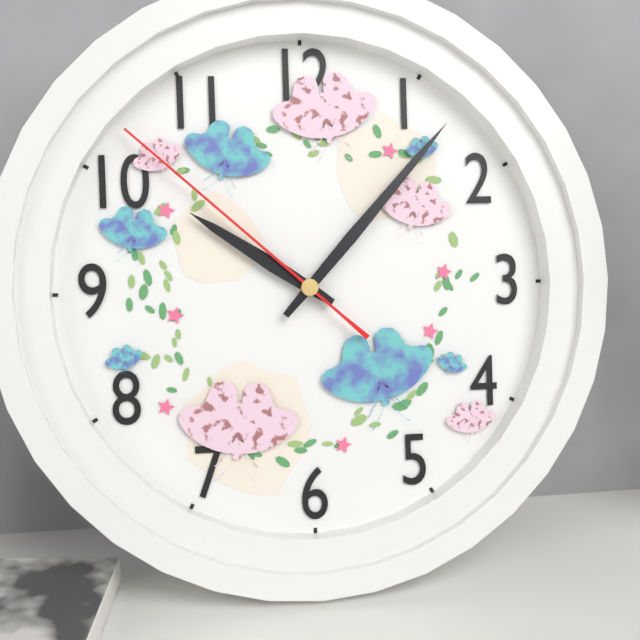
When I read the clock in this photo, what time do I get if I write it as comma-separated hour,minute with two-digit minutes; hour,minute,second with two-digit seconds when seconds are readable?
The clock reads 10,07,52
